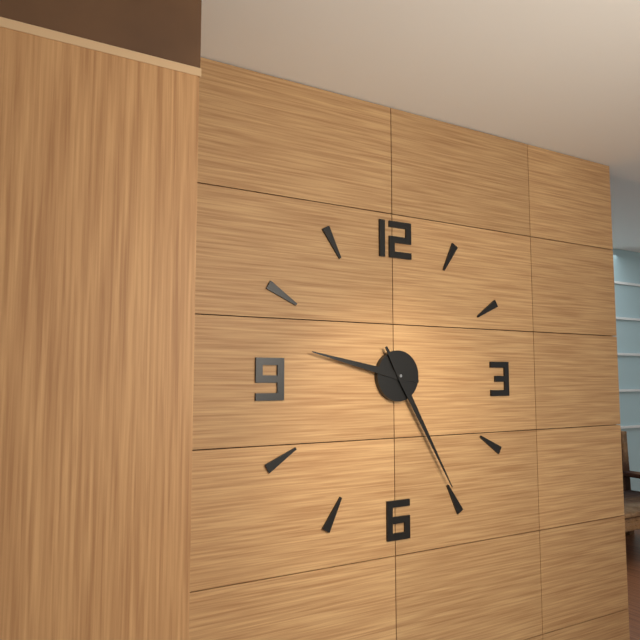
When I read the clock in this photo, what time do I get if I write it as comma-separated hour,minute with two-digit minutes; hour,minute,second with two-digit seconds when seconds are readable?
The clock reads 9,25
